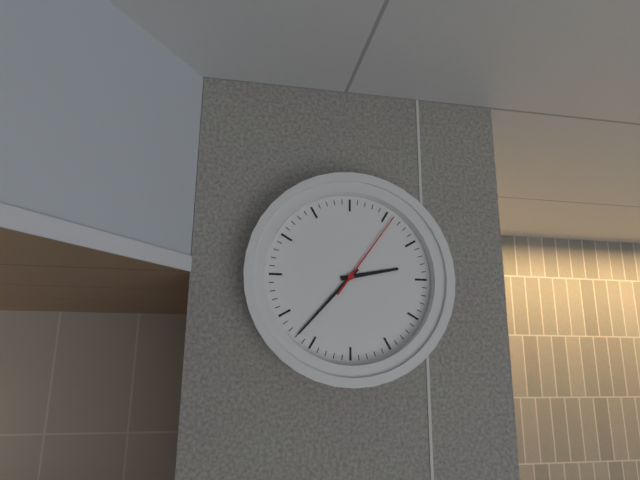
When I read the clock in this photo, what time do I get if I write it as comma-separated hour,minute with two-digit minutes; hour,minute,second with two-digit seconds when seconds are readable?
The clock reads 2,37,06
